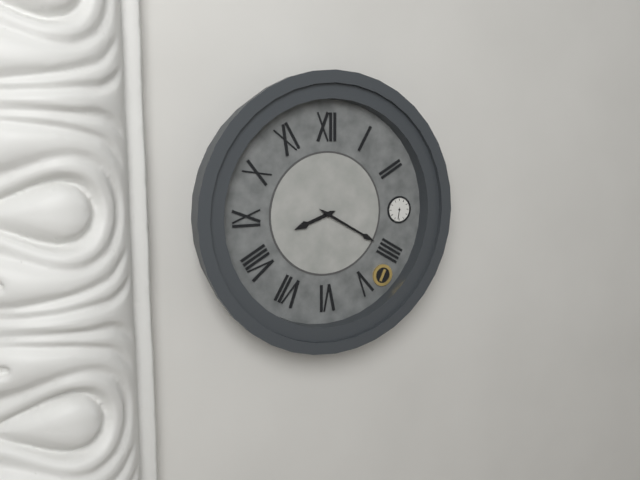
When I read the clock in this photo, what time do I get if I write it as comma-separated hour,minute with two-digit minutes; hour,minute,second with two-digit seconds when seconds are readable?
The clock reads 8,20
